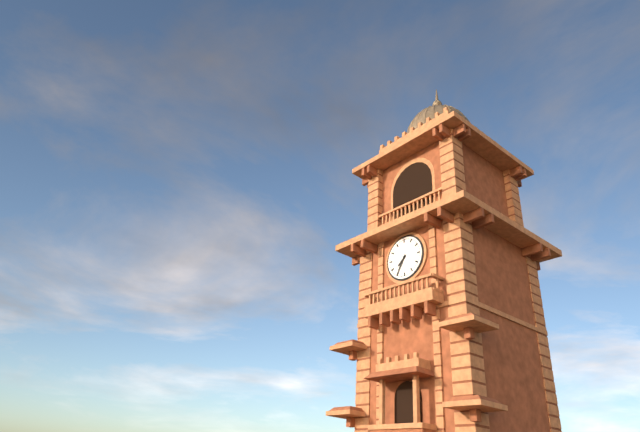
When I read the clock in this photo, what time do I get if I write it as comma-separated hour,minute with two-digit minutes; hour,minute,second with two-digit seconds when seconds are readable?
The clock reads 7,35
